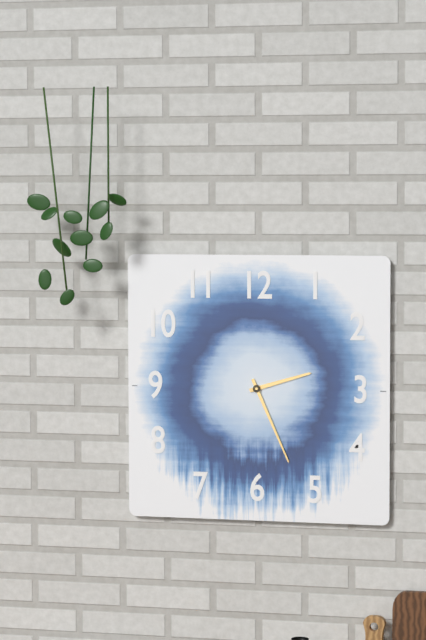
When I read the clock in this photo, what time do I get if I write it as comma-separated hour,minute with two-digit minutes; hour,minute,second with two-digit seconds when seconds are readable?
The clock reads 2,26
